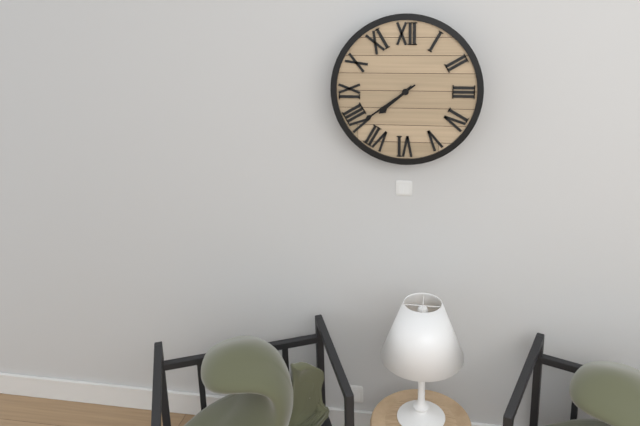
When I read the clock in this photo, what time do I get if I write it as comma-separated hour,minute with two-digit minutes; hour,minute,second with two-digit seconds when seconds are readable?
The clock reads 7,39
